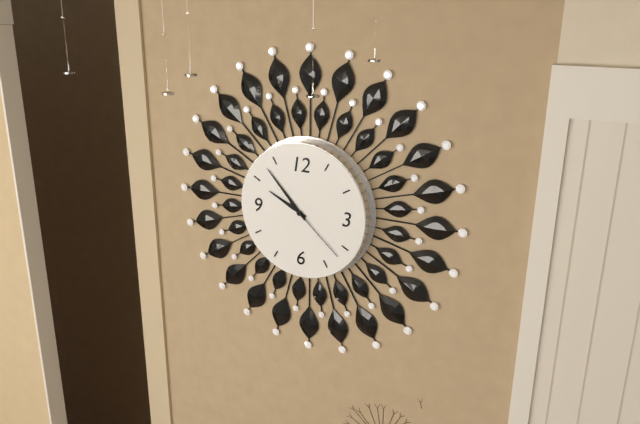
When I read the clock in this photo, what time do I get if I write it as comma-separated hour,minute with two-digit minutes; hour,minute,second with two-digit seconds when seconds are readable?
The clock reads 9,53,22
